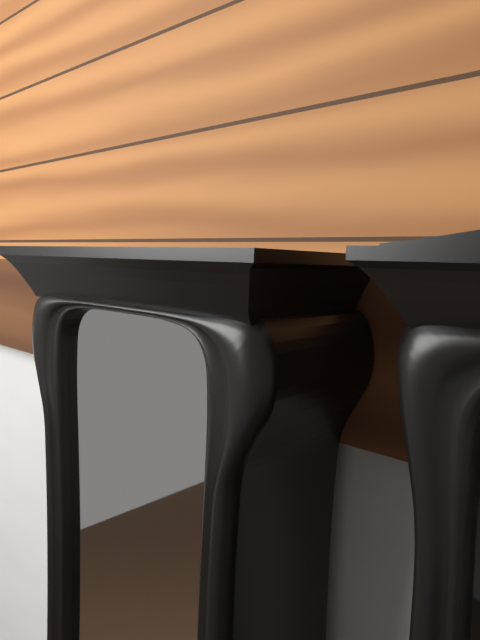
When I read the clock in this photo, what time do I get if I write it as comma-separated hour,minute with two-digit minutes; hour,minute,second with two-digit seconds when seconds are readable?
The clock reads 11,46
